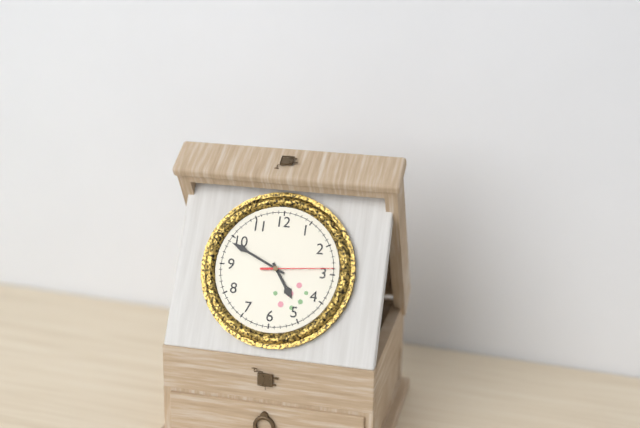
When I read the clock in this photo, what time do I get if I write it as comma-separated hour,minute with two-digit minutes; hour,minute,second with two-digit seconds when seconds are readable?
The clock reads 4,49,14
